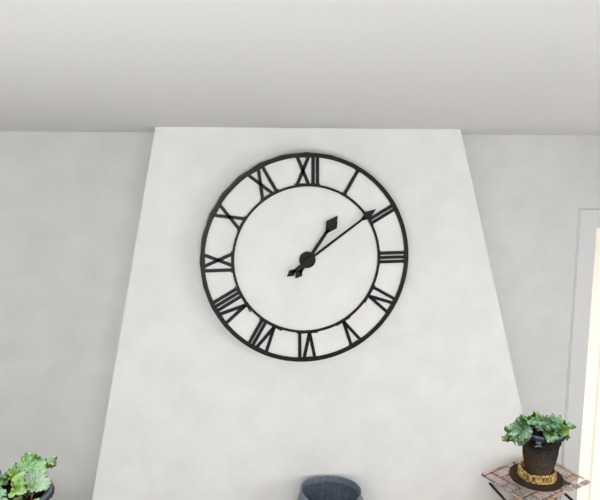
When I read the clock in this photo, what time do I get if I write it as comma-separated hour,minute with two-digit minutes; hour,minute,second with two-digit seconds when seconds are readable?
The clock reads 1,09
